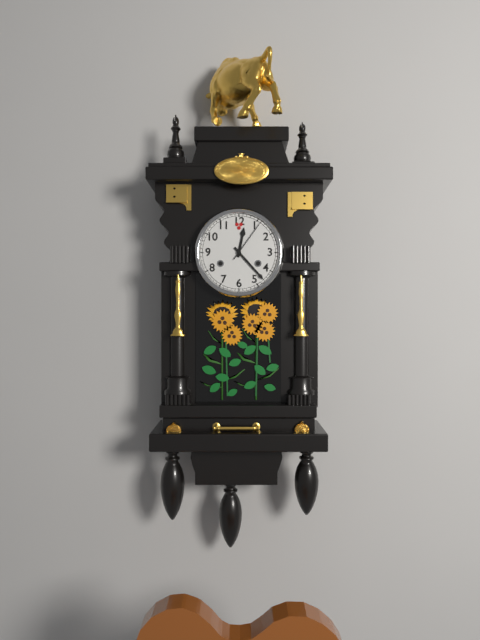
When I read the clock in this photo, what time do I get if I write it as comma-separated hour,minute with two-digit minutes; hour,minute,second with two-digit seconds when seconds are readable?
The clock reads 12,23
